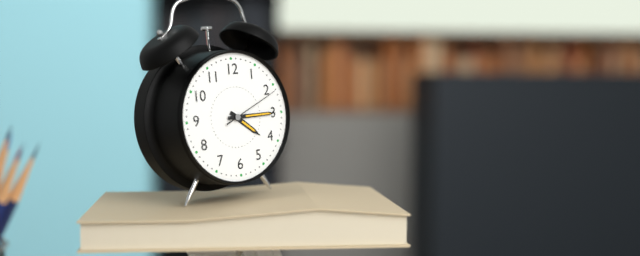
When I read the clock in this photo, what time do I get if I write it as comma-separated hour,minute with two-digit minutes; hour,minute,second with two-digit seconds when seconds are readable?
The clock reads 4,15,11
